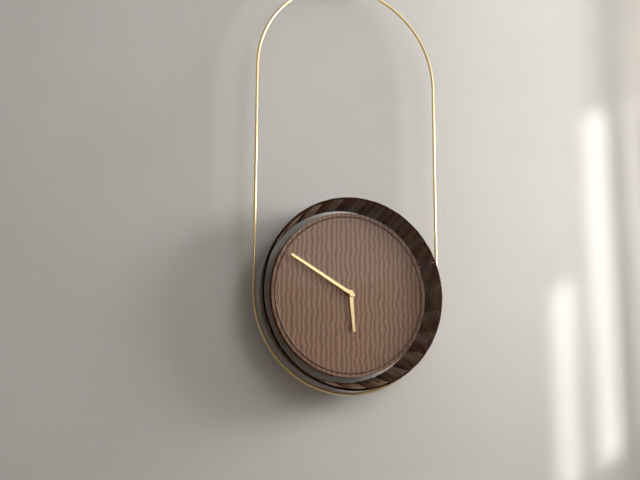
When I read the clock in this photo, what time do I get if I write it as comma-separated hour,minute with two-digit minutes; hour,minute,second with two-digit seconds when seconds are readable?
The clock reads 5,50
